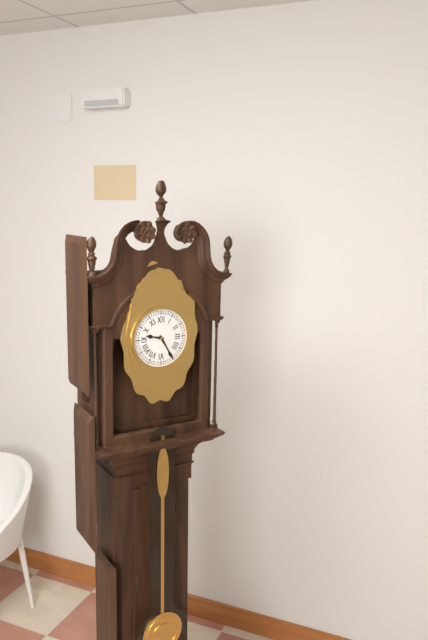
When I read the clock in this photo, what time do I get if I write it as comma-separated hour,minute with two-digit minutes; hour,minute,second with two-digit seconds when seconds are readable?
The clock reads 9,25
